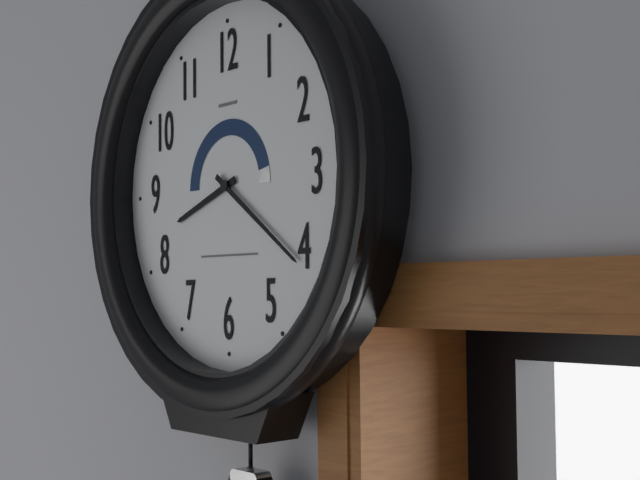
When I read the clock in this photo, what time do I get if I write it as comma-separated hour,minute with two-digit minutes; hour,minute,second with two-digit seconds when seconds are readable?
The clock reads 8,21
